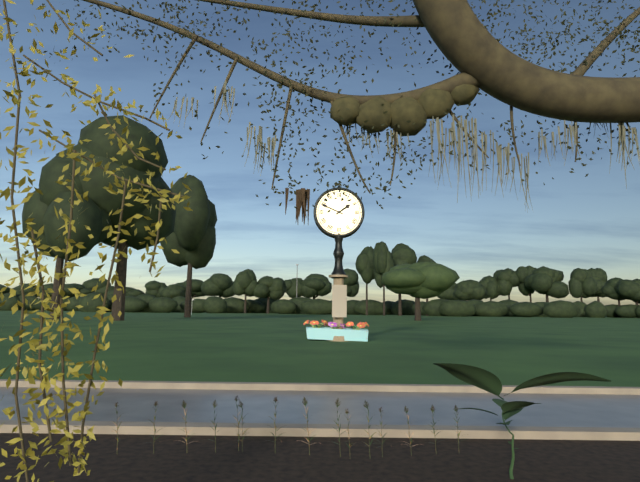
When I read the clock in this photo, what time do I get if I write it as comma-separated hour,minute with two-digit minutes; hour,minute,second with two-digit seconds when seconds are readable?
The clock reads 1,49
